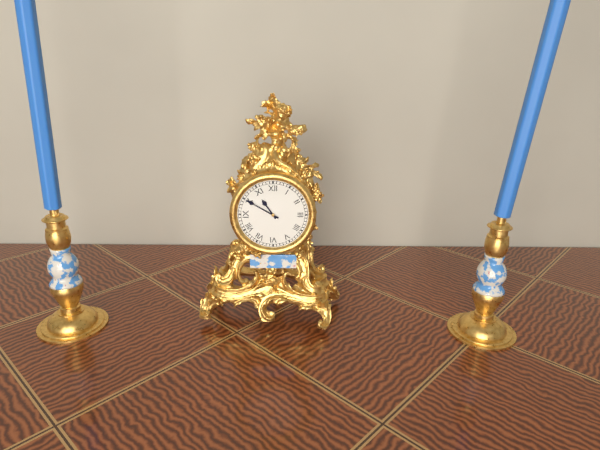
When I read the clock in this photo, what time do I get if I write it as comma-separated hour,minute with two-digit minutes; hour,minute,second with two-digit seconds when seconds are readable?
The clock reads 10,50
